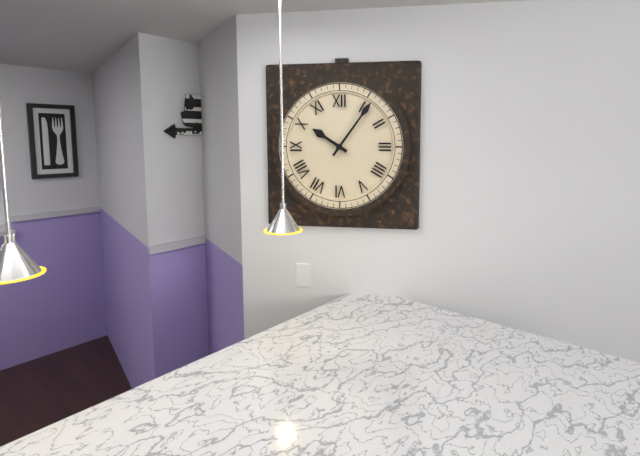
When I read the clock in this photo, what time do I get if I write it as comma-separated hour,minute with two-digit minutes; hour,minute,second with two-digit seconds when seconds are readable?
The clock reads 10,06
